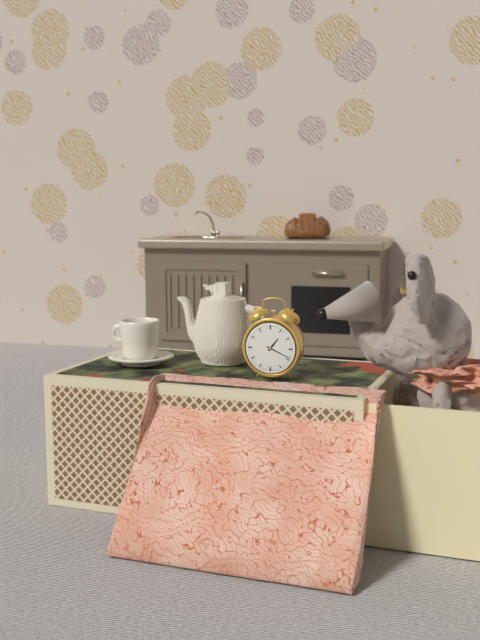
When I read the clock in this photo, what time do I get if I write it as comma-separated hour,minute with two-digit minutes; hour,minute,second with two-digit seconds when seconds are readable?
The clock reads 1,19
